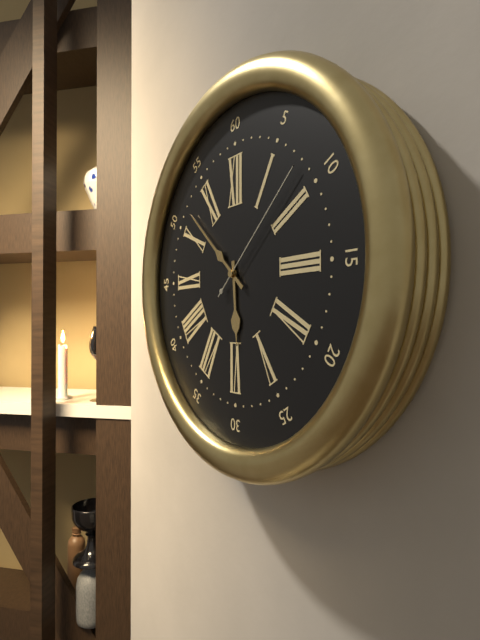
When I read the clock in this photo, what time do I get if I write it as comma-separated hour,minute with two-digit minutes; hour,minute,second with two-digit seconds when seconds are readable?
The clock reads 5,52,08
